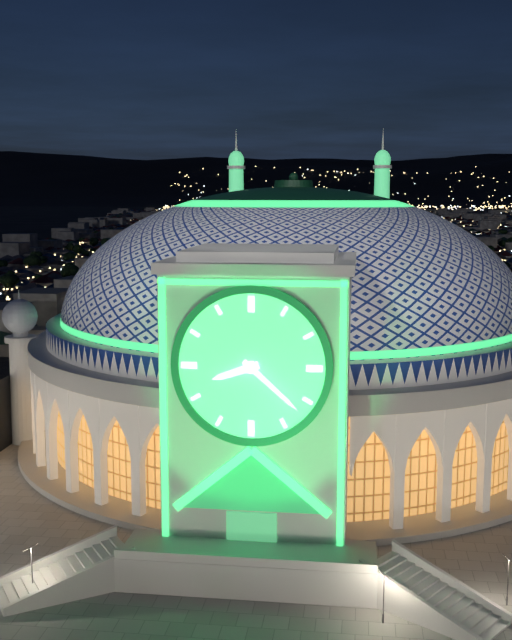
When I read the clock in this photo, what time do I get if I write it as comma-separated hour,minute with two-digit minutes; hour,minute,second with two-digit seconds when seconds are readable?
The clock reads 8,22
